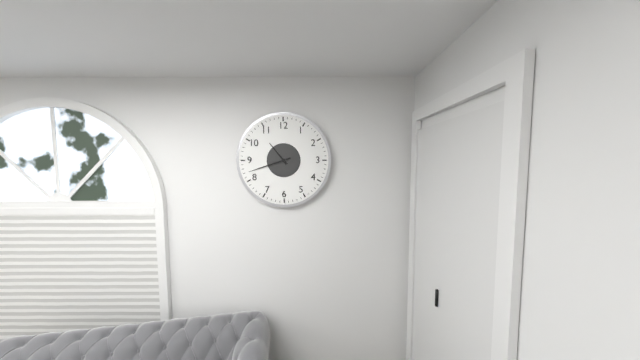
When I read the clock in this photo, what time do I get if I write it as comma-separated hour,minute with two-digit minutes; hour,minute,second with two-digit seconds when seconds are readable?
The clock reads 10,42
